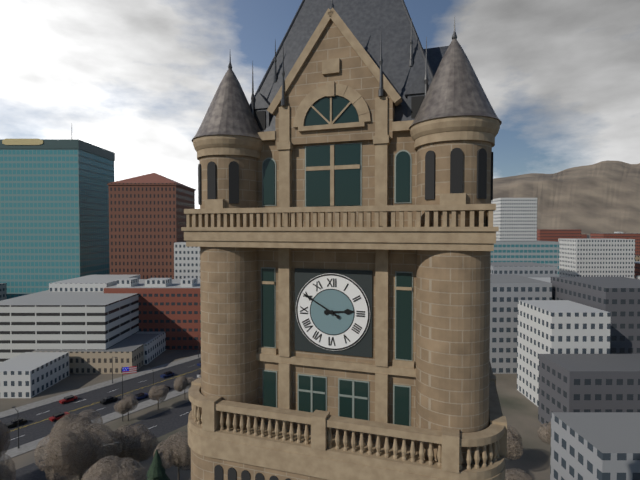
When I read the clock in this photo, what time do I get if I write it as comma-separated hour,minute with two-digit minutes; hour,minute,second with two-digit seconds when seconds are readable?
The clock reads 2,50
